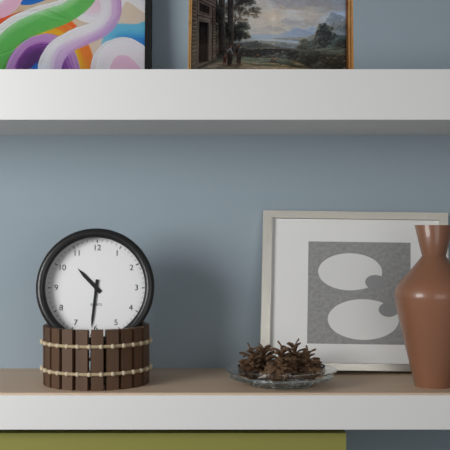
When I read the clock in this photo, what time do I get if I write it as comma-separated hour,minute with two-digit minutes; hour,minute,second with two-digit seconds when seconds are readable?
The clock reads 10,31
